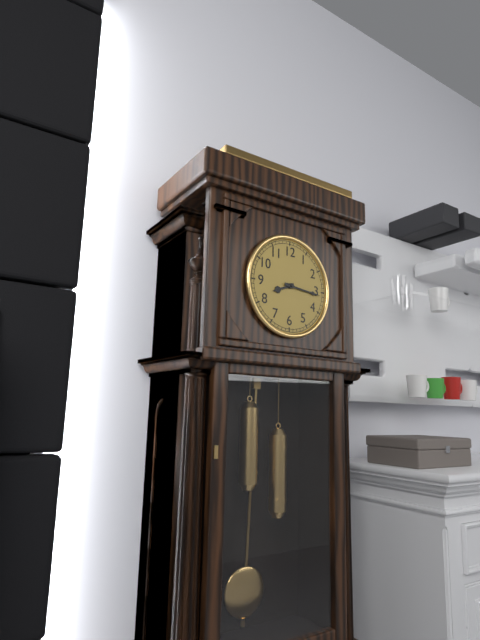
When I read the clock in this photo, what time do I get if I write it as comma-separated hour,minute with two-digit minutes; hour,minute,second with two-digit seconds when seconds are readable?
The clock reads 8,16
